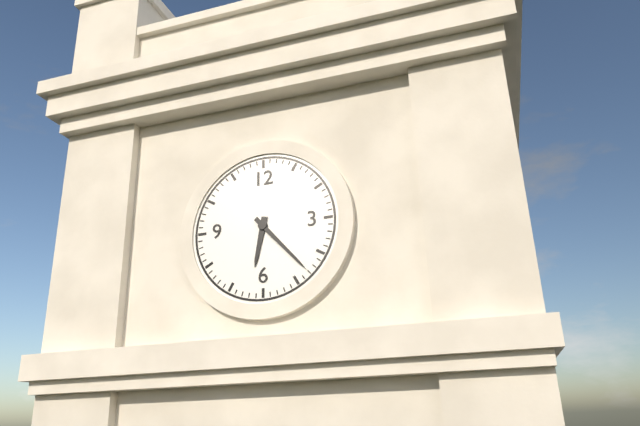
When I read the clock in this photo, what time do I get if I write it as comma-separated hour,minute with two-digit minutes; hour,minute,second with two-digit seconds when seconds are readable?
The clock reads 6,23
